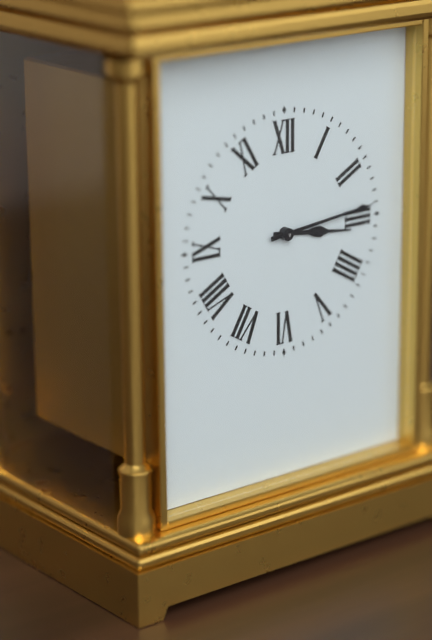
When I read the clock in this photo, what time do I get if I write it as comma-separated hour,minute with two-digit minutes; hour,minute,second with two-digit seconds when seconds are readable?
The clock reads 3,14
